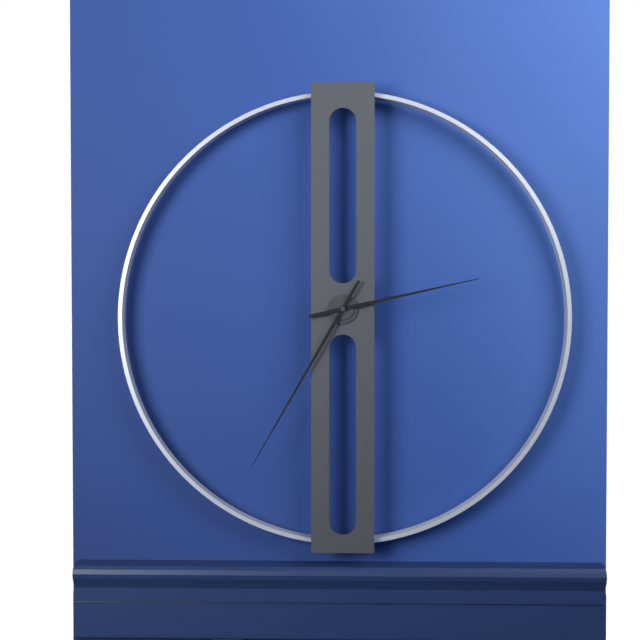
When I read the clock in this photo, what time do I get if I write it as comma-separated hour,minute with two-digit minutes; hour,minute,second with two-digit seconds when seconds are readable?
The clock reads 2,35
